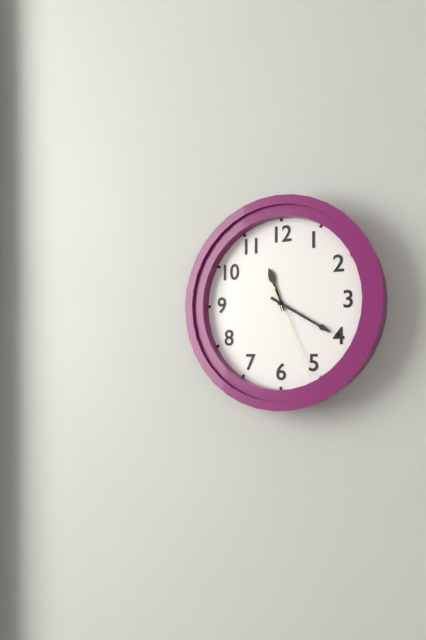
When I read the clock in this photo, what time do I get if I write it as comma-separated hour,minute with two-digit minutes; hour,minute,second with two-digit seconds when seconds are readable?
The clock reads 11,20,26
